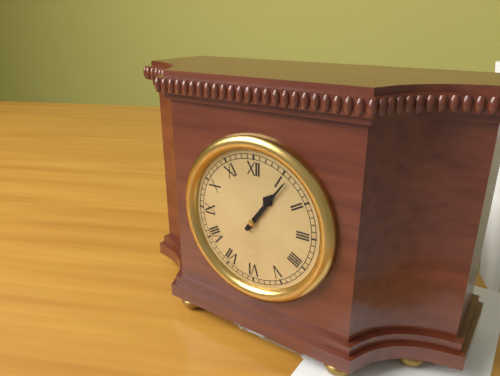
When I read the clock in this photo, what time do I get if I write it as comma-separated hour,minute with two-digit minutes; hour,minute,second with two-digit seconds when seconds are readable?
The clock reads 1,06
